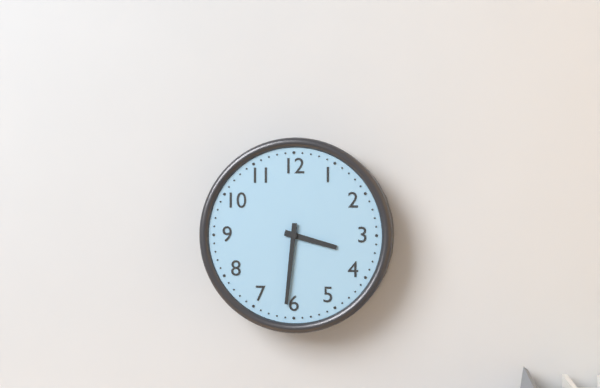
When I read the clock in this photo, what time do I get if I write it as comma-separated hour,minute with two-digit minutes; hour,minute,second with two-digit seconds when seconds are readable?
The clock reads 3,31
